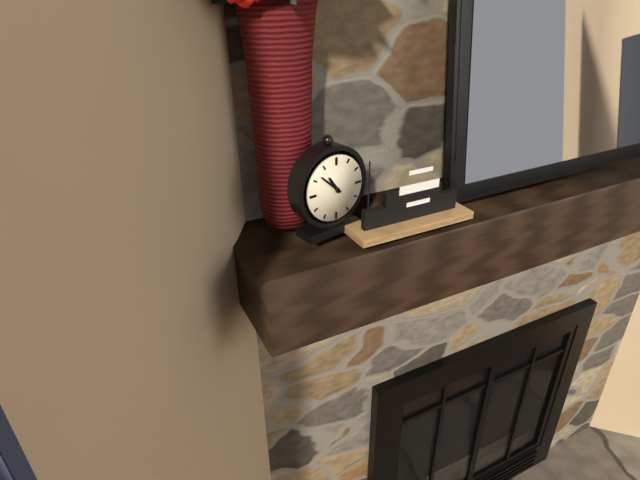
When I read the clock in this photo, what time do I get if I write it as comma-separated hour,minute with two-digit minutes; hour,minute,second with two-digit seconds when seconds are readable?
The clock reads 10,52
